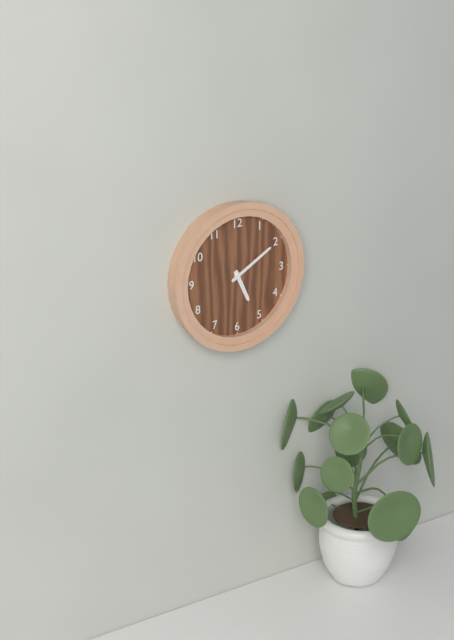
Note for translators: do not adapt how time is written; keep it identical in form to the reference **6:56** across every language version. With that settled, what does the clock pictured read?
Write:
**5:10**
